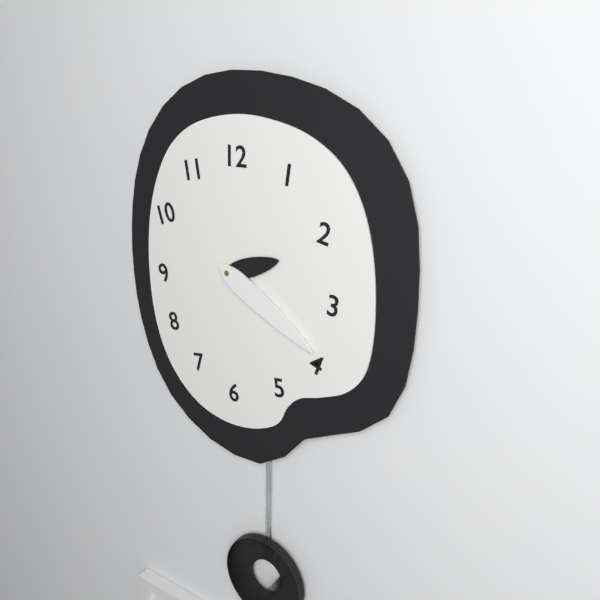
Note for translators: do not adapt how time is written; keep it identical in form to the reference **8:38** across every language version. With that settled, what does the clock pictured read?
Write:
**2:20**
